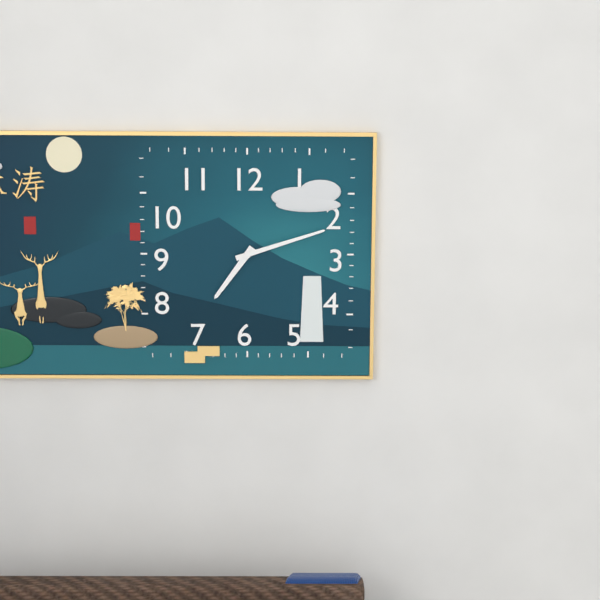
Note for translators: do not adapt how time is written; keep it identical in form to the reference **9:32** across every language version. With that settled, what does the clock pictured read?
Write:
**7:12**
